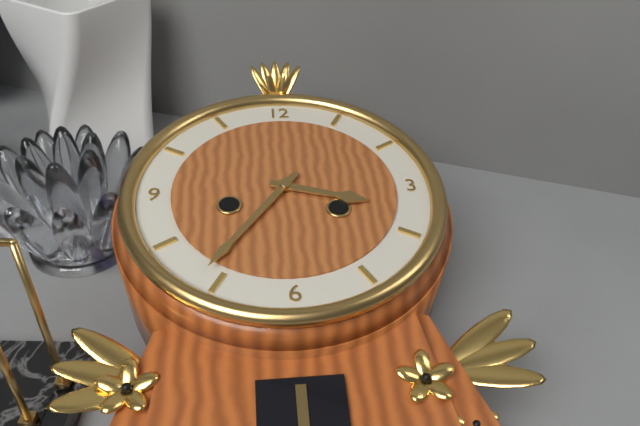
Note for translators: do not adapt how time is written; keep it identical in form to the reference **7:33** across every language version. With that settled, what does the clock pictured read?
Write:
**3:36**
